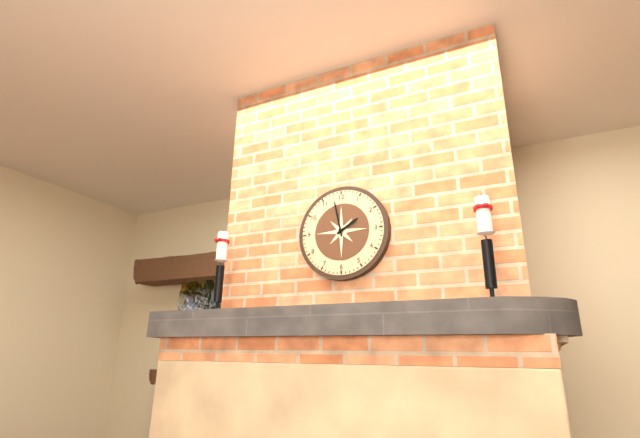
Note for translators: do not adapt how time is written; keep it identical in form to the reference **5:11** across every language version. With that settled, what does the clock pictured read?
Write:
**1:58**
